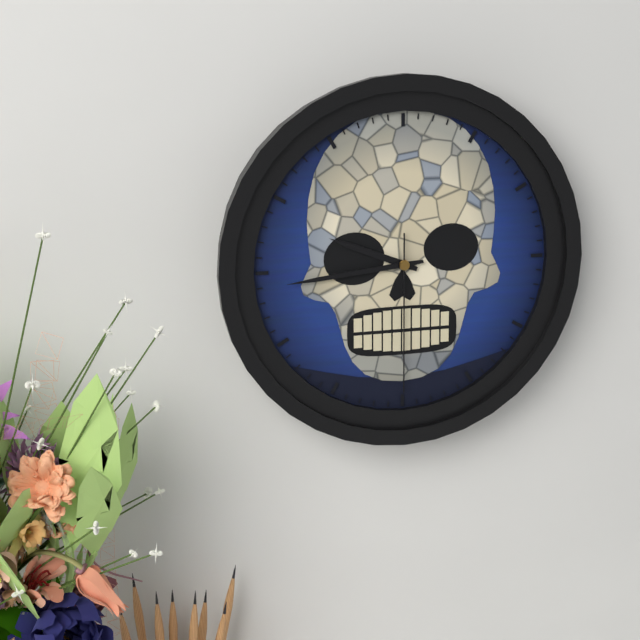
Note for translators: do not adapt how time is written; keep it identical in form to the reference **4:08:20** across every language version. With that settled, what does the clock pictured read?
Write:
**9:44:30**
